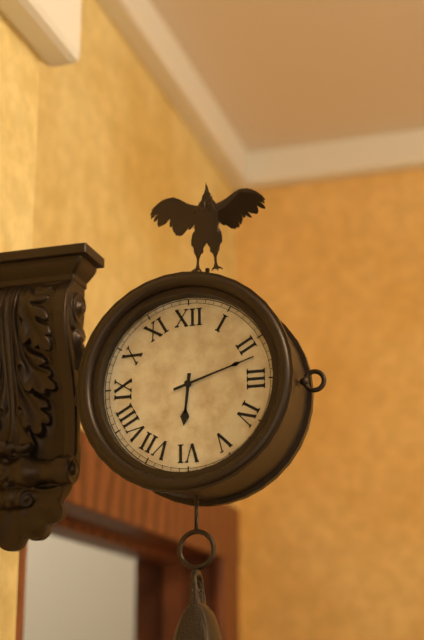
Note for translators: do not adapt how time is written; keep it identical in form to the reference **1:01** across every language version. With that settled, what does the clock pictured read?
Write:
**6:12**
